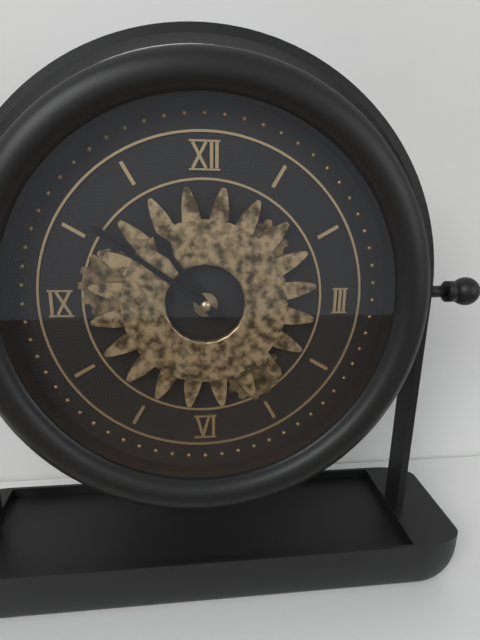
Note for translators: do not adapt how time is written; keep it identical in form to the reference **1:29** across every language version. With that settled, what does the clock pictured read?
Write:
**10:51**
